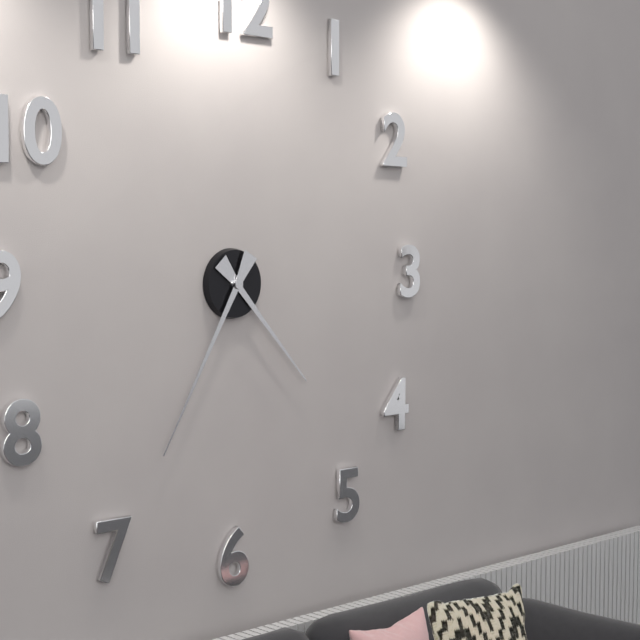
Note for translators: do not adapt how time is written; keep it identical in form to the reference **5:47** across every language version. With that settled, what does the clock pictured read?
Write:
**4:35**
